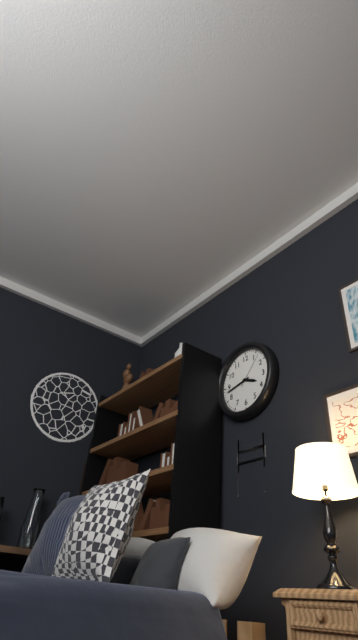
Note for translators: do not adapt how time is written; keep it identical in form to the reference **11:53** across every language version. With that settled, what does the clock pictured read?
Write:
**3:43**
